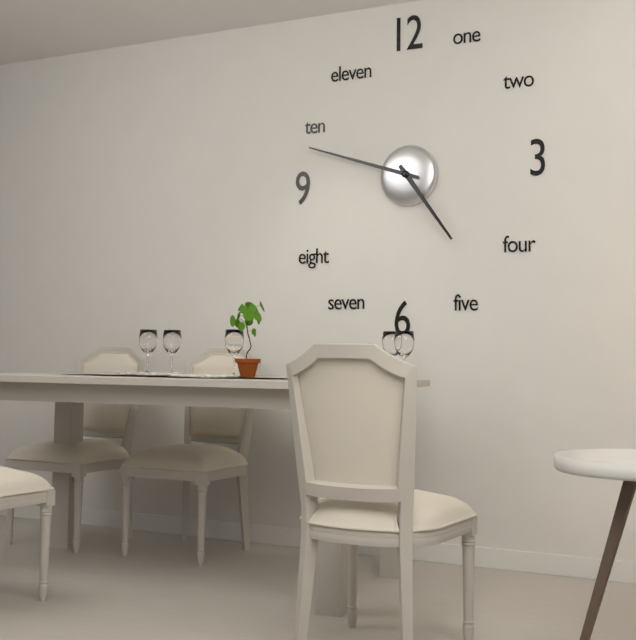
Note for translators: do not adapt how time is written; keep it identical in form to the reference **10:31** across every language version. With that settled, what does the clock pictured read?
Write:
**4:48**
